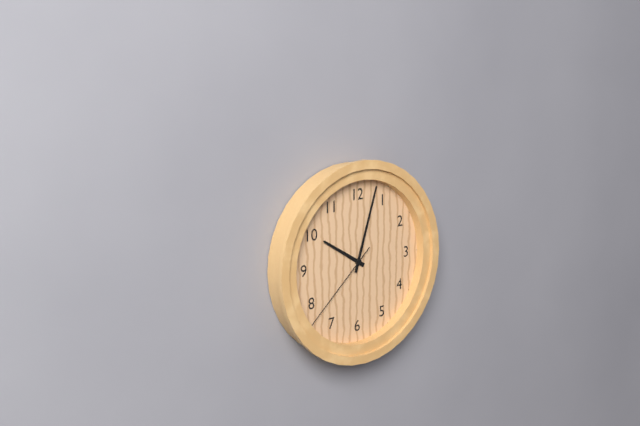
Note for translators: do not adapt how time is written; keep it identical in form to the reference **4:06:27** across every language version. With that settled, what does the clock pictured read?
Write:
**10:03:38**
